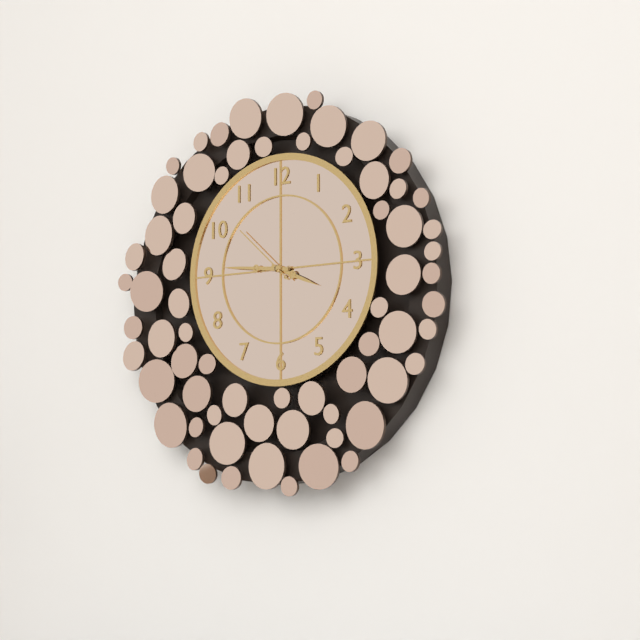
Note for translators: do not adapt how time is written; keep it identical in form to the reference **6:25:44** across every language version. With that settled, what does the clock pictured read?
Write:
**3:46:52**
